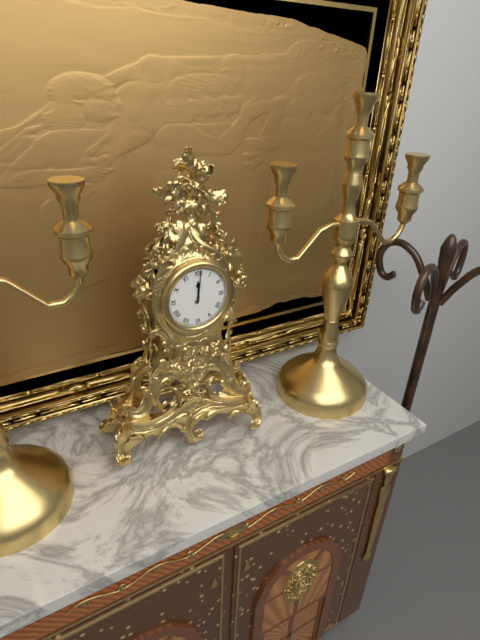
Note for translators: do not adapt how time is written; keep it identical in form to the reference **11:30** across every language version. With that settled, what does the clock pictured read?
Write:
**12:01**
